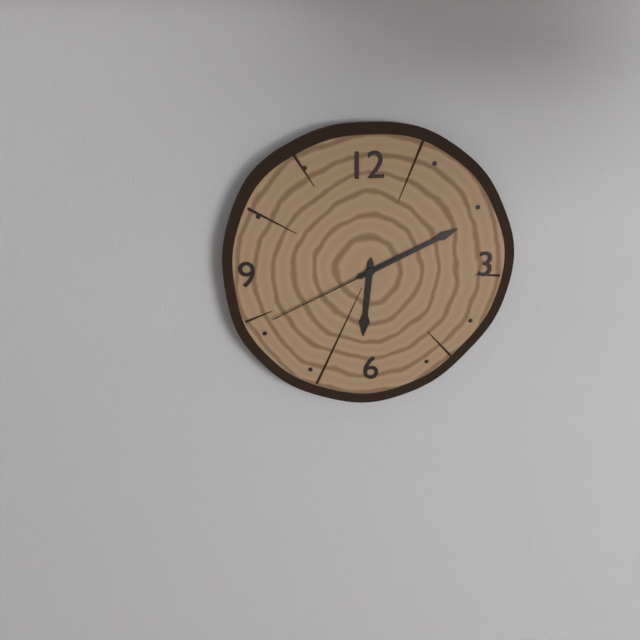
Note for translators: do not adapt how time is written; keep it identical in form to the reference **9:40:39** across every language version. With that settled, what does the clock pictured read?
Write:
**6:11:41**
